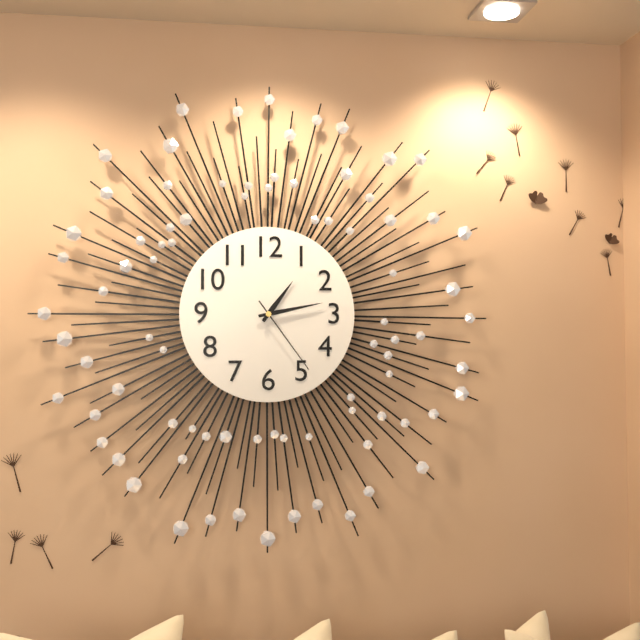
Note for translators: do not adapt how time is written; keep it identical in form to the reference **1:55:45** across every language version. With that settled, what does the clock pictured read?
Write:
**1:13:24**
